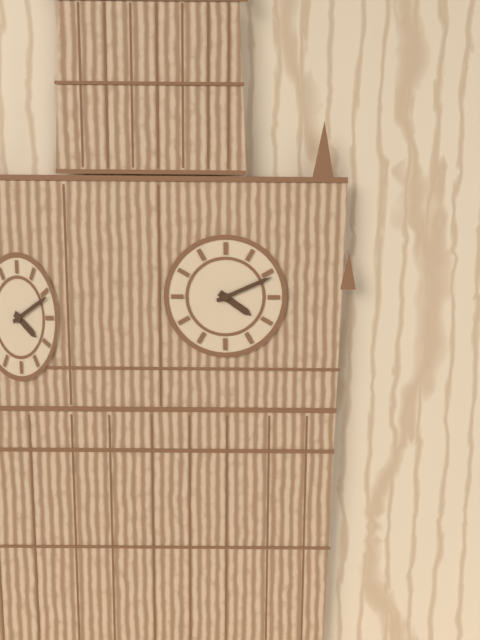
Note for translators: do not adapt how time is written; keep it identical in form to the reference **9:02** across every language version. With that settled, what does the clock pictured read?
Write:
**4:11**
